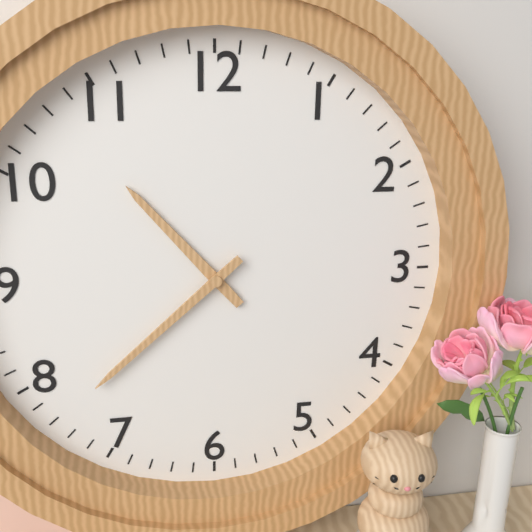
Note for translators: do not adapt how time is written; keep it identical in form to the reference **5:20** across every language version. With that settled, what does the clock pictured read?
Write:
**10:38**
